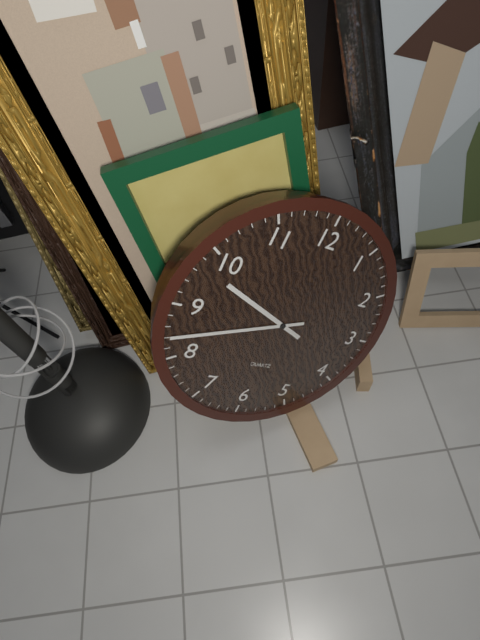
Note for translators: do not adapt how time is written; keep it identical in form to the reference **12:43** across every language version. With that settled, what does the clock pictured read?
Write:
**9:42**
